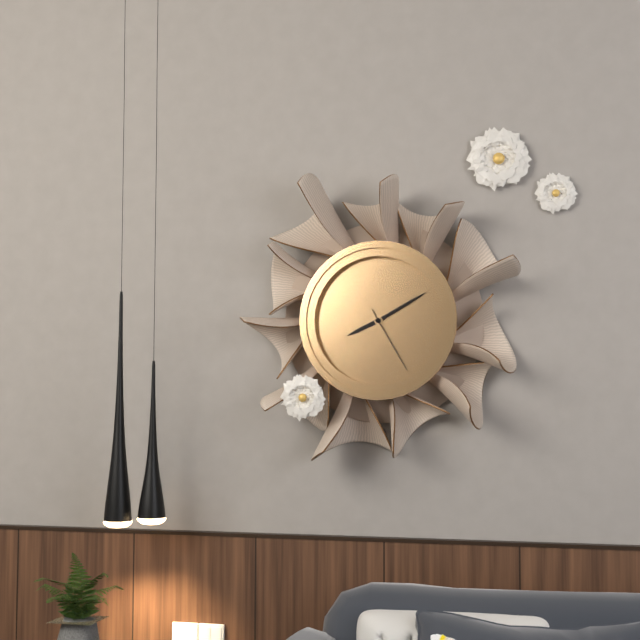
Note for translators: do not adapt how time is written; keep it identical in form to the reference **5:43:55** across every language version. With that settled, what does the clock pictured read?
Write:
**8:10:25**
